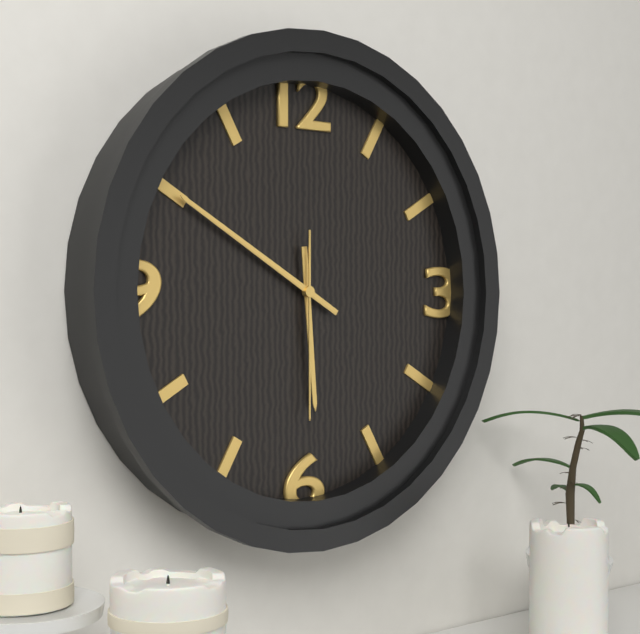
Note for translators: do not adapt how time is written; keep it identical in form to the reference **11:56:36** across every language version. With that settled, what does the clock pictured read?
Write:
**5:50:30**
